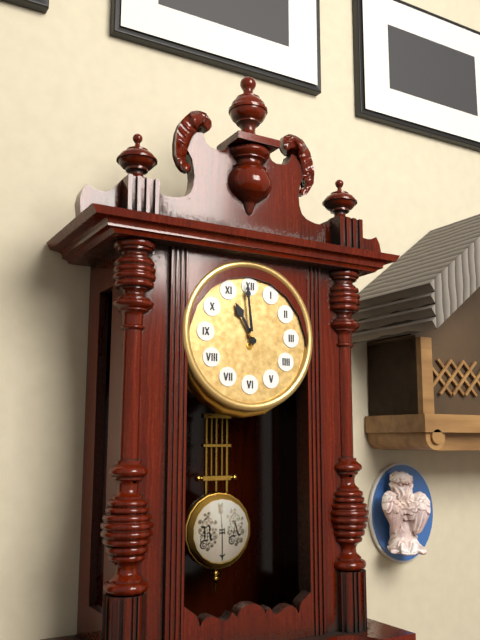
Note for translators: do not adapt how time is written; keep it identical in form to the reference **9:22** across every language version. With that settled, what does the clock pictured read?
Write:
**10:59**
